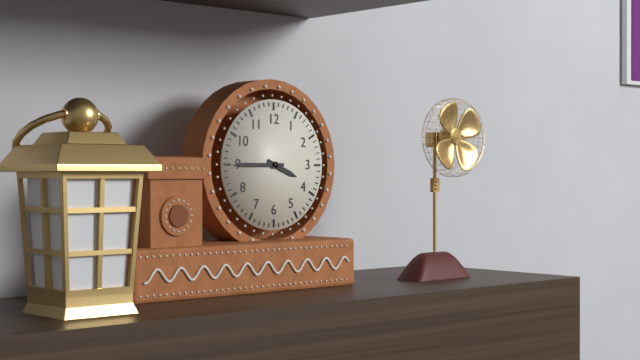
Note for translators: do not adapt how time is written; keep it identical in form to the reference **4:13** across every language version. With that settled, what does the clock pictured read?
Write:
**3:45**
